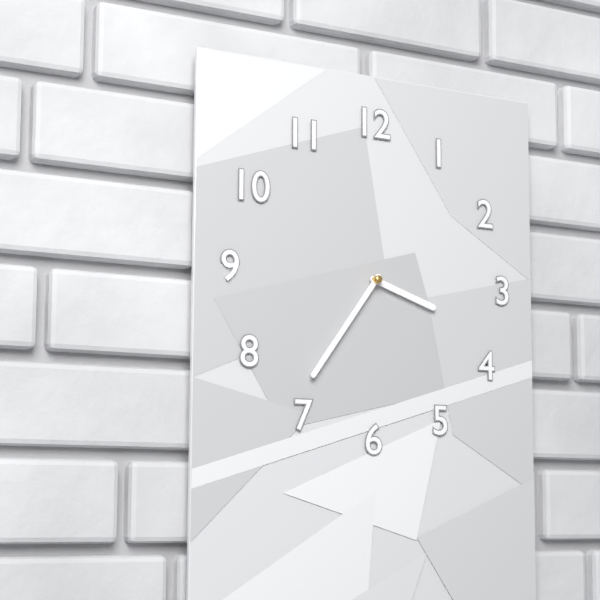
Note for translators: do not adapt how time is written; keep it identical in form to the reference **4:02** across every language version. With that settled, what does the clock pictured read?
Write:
**3:36**
